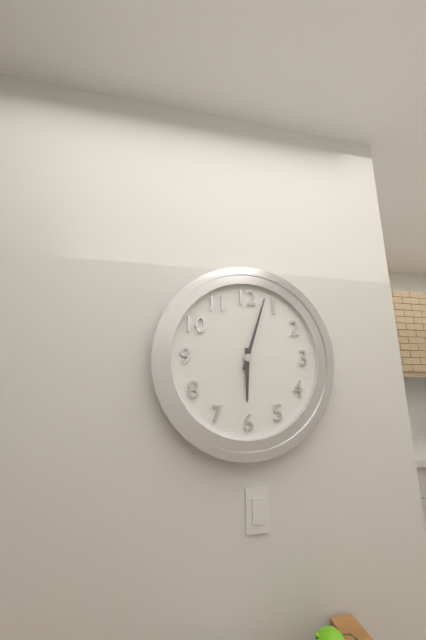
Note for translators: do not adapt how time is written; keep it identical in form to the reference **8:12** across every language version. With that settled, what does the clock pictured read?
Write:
**6:03**
